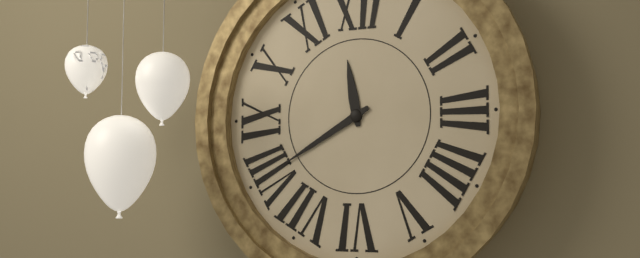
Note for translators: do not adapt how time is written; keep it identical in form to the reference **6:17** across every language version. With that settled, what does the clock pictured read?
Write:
**11:40**
